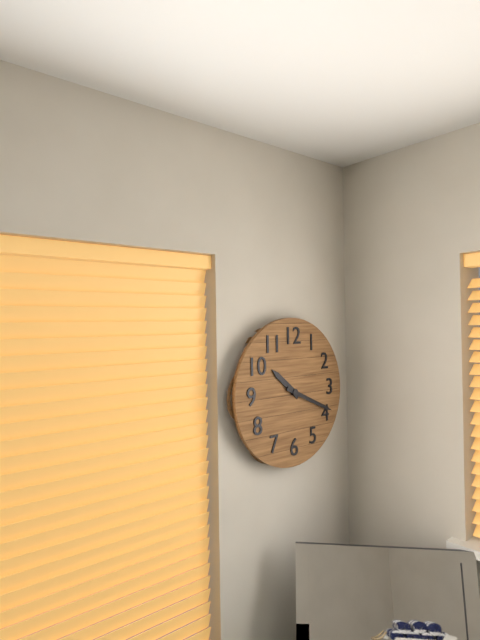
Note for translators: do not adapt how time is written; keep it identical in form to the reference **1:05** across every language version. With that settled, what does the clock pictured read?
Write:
**10:19**
